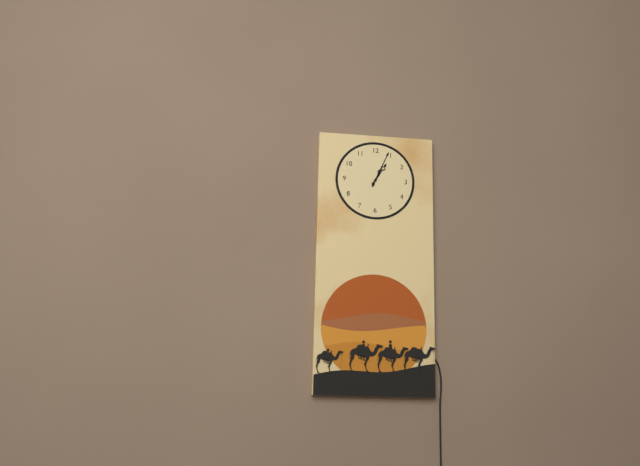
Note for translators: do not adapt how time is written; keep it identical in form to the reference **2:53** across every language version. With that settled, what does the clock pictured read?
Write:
**1:04**
